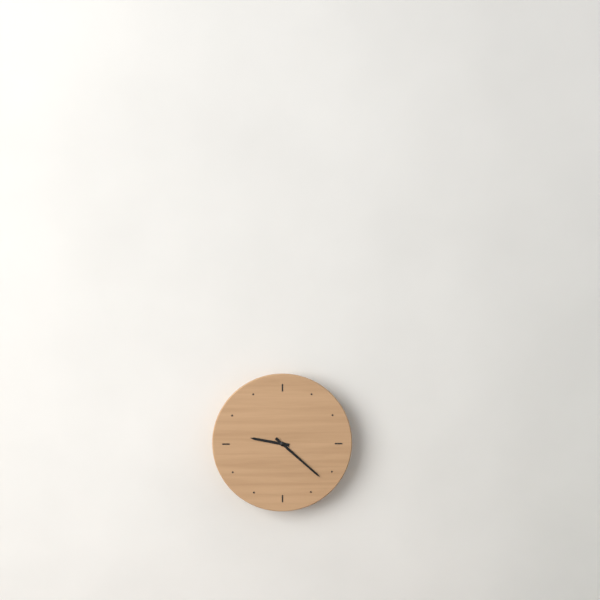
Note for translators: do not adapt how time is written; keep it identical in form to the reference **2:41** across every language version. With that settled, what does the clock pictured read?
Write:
**9:22**
